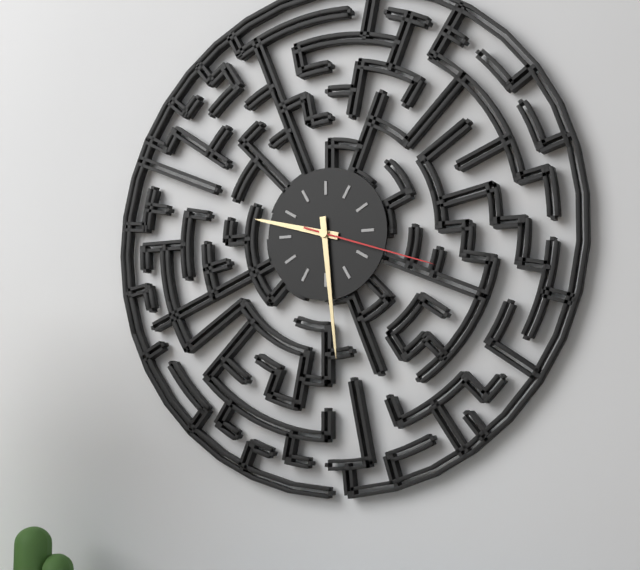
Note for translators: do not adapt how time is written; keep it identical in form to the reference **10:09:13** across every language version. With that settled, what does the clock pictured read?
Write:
**9:29:18**
